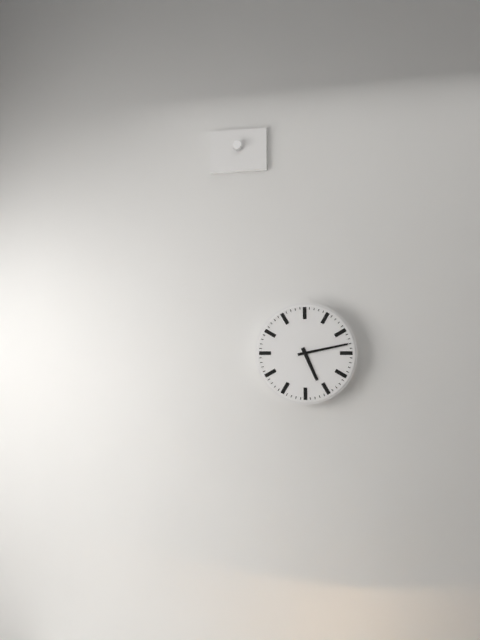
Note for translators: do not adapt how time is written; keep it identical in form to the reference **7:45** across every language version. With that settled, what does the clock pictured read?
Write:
**5:13**
